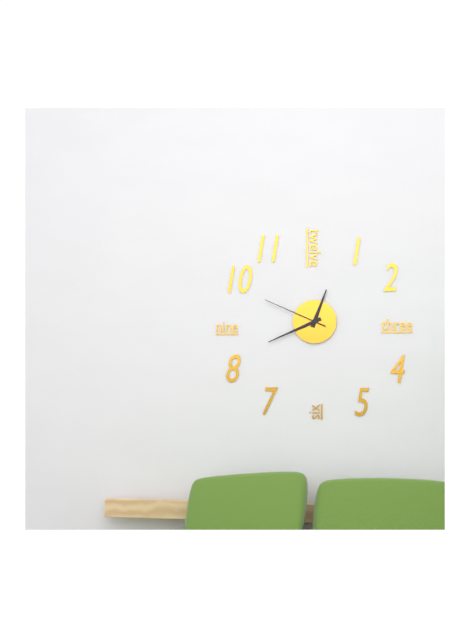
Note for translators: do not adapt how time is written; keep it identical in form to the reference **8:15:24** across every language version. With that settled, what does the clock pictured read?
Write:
**12:41:49**
